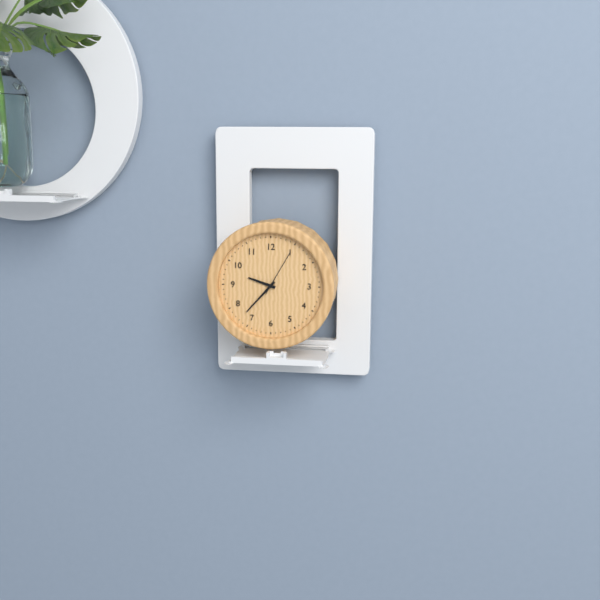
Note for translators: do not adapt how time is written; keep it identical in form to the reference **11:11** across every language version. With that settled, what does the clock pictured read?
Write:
**9:37**
